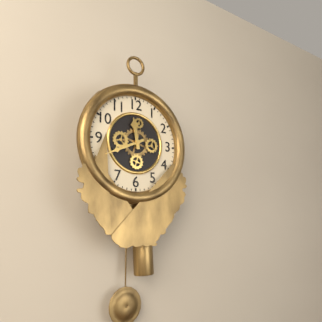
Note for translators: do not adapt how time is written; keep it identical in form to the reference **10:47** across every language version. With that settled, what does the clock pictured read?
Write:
**11:41**
